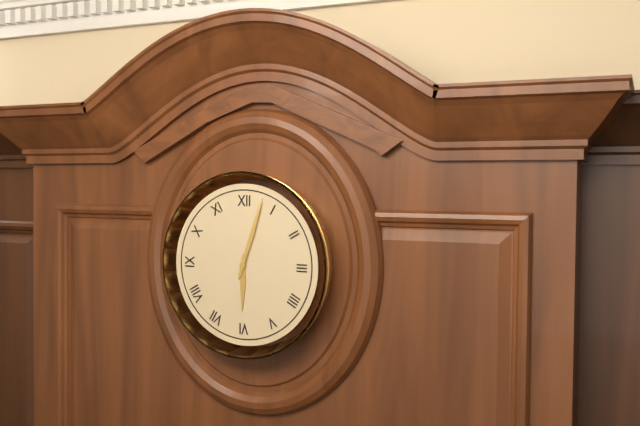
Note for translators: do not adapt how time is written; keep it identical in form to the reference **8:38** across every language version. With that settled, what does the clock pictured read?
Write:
**6:03**
